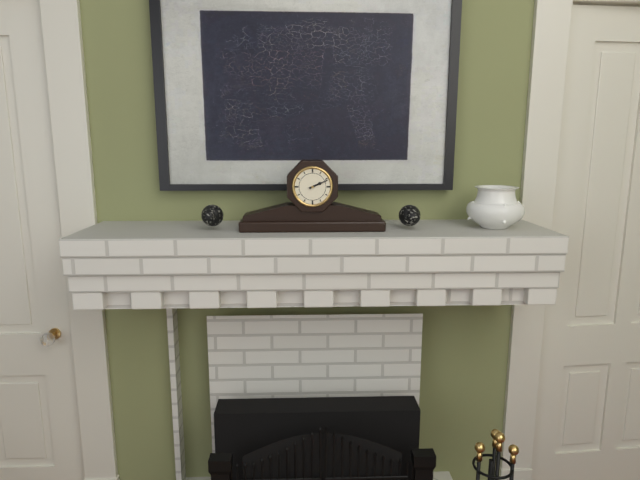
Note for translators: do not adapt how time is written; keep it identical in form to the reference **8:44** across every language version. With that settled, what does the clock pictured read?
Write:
**2:11**
